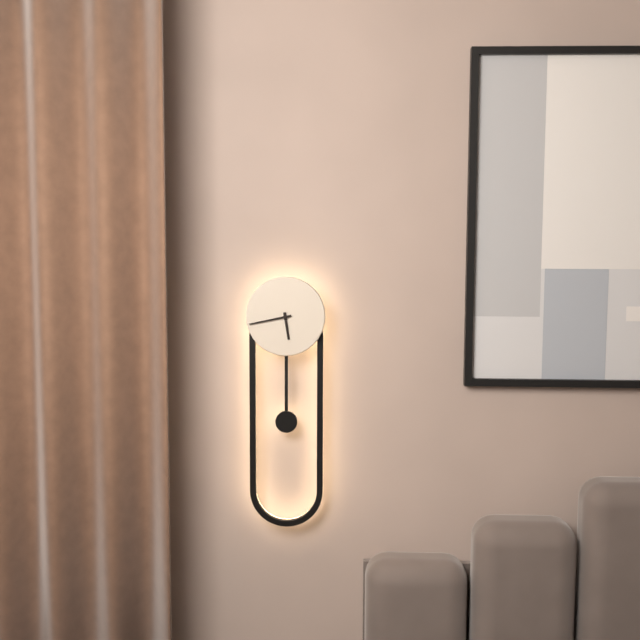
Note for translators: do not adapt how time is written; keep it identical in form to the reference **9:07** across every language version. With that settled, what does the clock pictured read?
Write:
**5:43**
